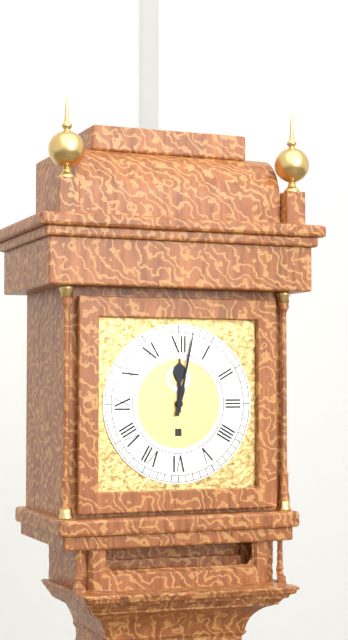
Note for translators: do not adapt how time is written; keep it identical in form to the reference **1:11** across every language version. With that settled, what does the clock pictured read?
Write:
**12:02**
